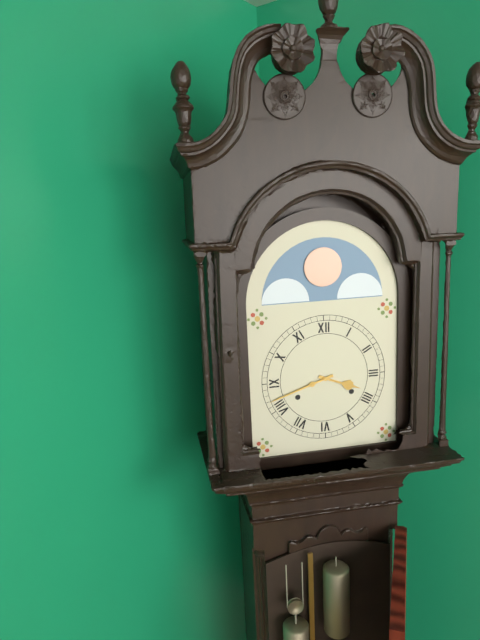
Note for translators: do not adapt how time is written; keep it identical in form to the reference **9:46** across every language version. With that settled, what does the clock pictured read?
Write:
**3:42**
